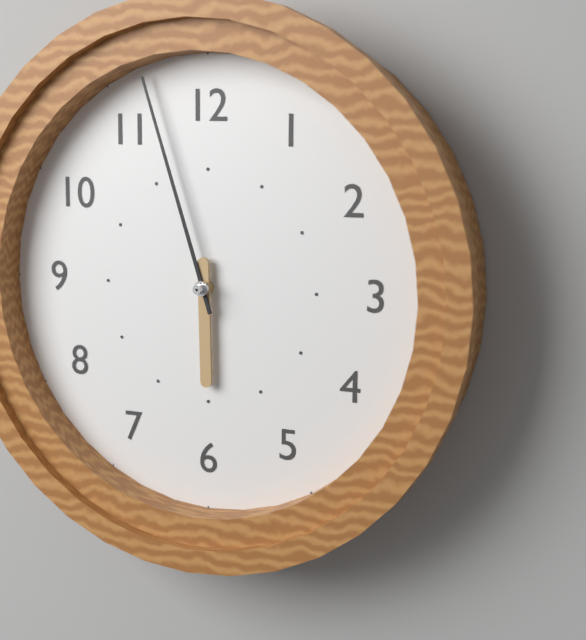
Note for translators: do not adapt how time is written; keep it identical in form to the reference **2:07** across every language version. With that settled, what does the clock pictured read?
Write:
**5:57**
